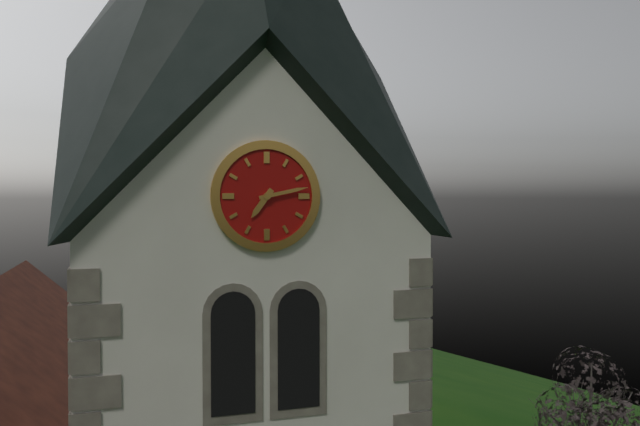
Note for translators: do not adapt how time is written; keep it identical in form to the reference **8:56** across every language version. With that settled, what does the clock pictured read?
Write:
**7:13**
